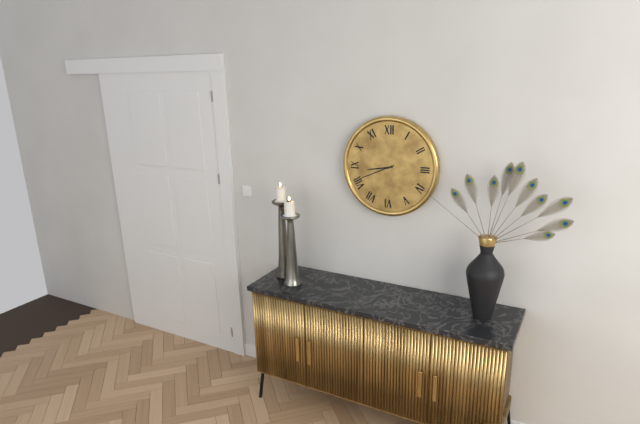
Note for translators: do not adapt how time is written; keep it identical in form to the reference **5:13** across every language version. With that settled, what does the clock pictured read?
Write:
**8:41**
